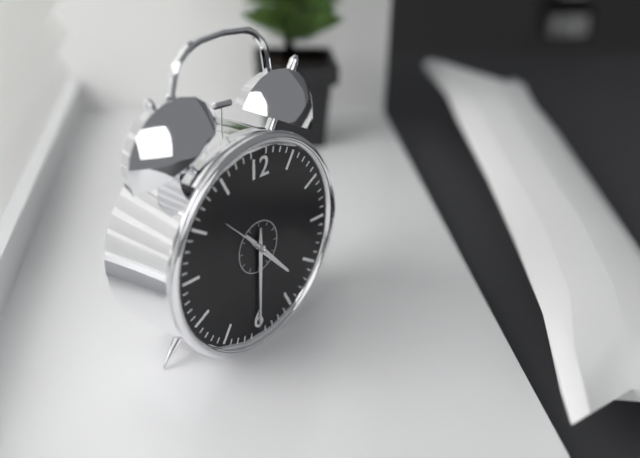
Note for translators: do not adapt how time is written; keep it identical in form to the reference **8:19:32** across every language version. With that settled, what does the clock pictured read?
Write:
**4:30:52**
